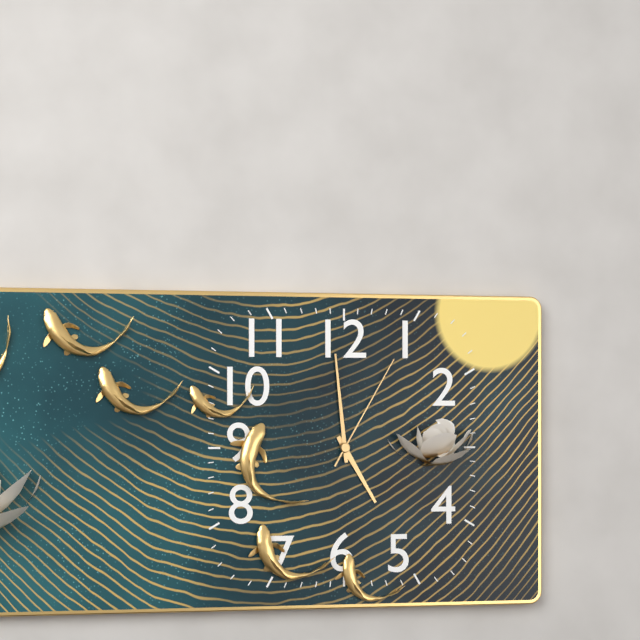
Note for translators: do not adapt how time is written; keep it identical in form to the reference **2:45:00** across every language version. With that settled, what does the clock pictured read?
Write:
**4:59:05**
